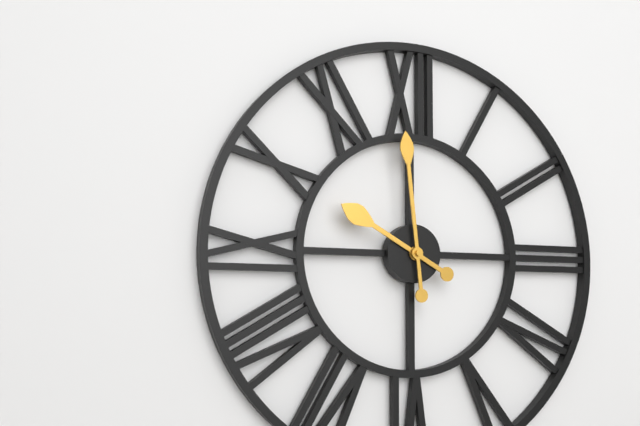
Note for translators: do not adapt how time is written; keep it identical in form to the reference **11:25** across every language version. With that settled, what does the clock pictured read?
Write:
**9:59**
